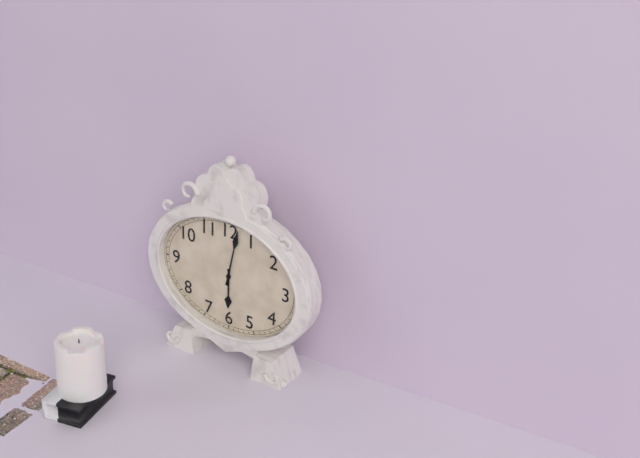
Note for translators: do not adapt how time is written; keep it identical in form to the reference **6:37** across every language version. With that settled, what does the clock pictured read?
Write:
**6:02**
